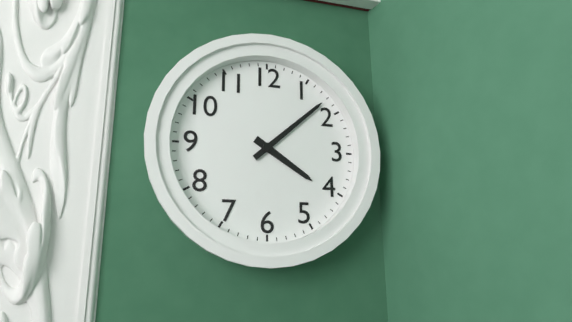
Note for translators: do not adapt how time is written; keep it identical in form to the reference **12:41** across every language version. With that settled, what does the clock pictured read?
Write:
**4:08**
